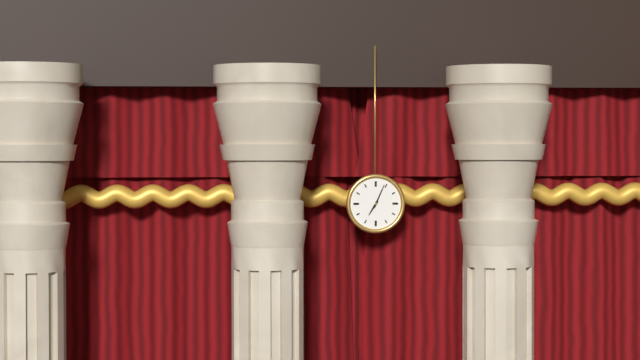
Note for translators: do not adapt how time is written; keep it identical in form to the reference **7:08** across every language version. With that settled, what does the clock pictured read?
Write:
**7:04**
